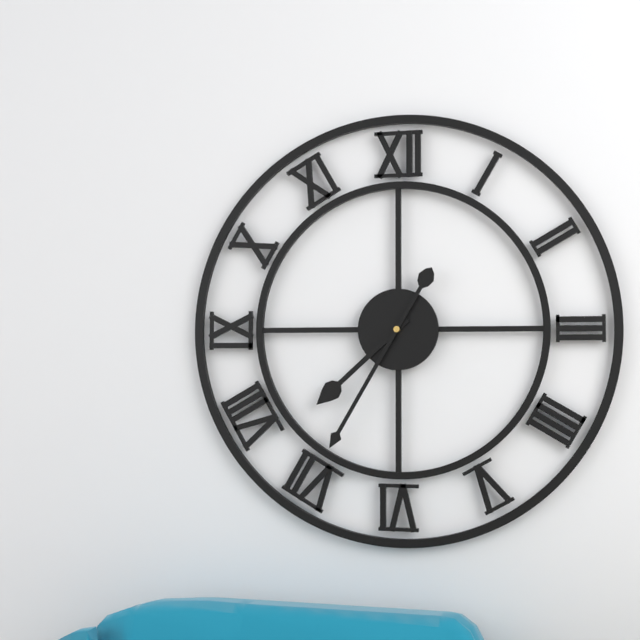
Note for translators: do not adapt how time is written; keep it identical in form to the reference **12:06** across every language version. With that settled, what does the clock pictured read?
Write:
**7:35**
